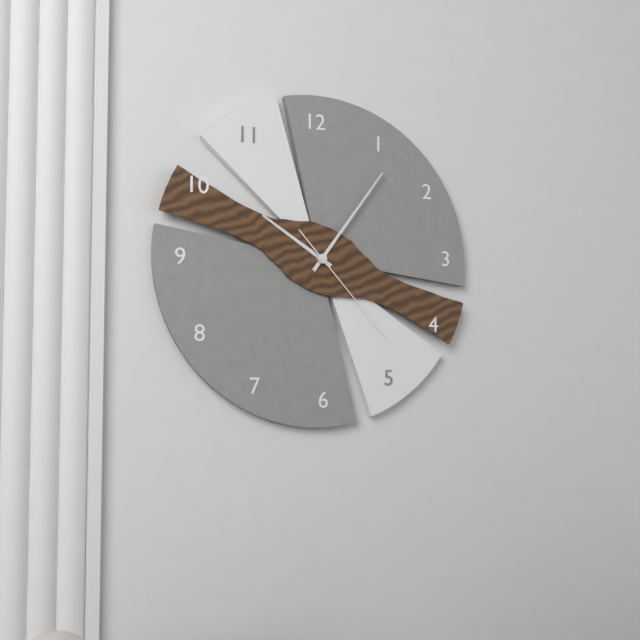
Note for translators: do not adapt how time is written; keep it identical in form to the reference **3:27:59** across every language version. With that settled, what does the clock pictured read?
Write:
**10:06:23**
